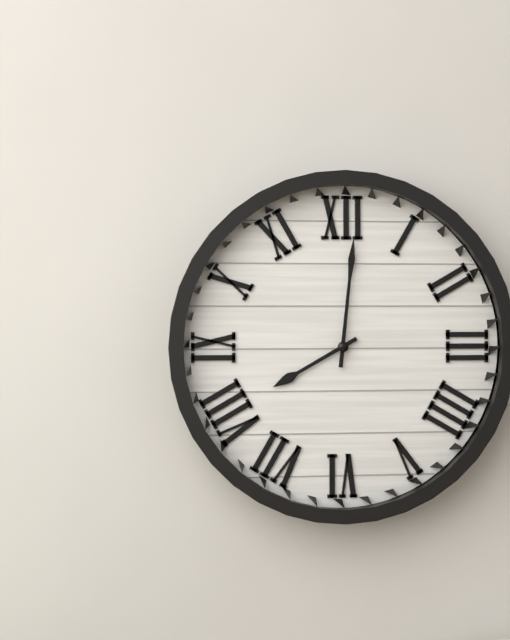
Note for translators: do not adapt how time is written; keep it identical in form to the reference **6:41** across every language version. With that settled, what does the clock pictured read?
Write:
**8:01**
